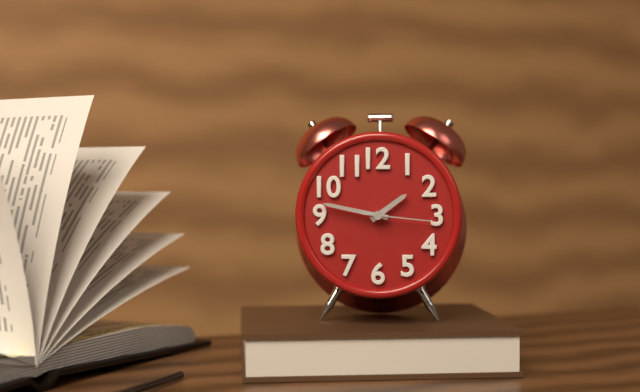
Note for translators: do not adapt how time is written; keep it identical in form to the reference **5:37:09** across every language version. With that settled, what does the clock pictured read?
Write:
**1:47:16**
